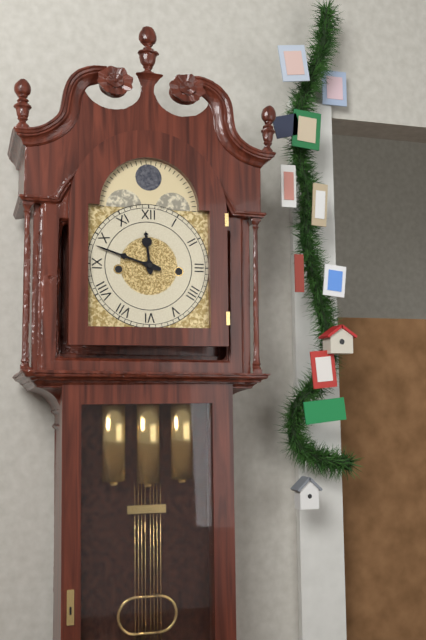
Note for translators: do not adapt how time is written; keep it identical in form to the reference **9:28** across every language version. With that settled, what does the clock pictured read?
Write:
**11:48**
